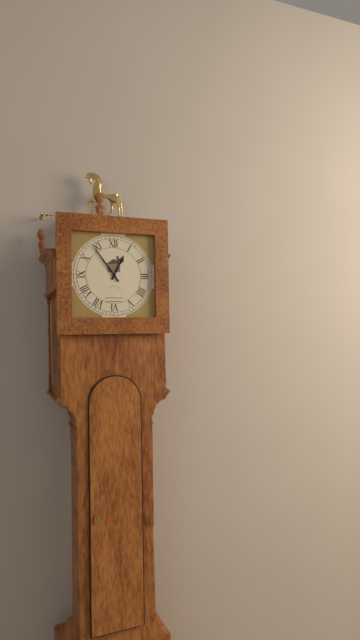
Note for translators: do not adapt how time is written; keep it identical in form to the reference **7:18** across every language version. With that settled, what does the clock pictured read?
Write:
**12:54**
